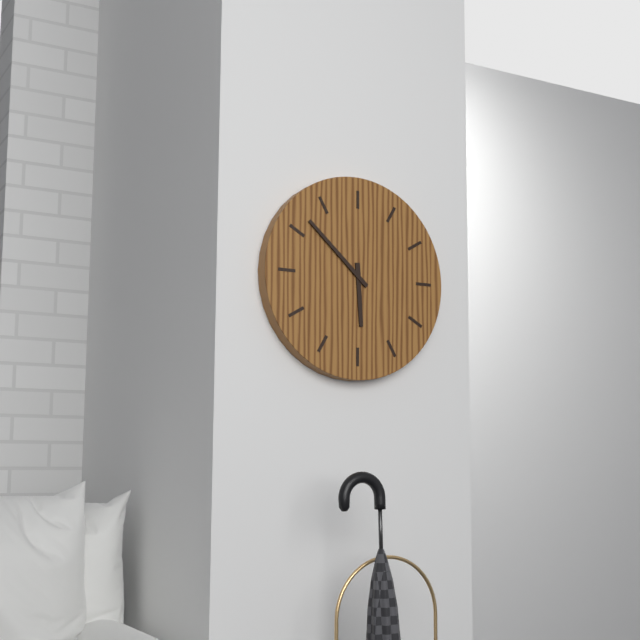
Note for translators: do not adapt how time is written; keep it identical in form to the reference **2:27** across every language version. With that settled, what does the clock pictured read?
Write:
**5:52**
